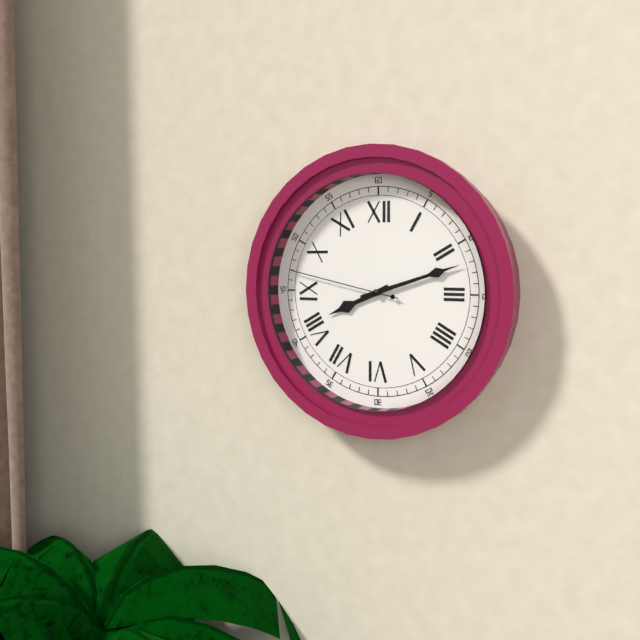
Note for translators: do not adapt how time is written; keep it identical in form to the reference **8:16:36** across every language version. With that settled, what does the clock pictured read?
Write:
**8:12:47**
